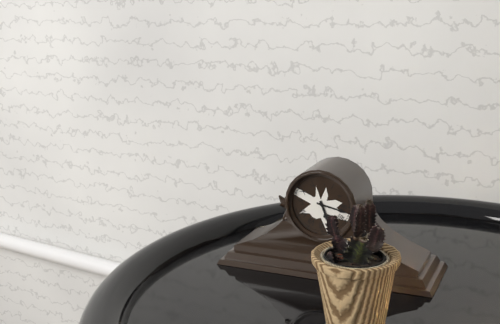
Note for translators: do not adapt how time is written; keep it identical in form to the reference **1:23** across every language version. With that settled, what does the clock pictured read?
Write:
**5:17**
